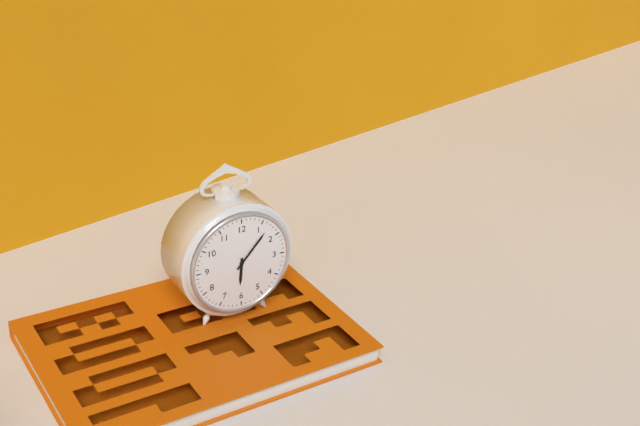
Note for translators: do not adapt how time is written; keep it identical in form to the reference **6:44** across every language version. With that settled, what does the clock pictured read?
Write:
**6:07**
